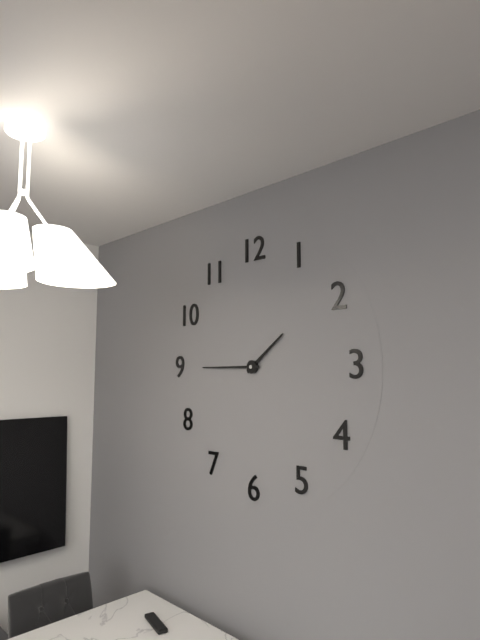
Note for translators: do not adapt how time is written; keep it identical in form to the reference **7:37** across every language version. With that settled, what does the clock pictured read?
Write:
**1:45**
